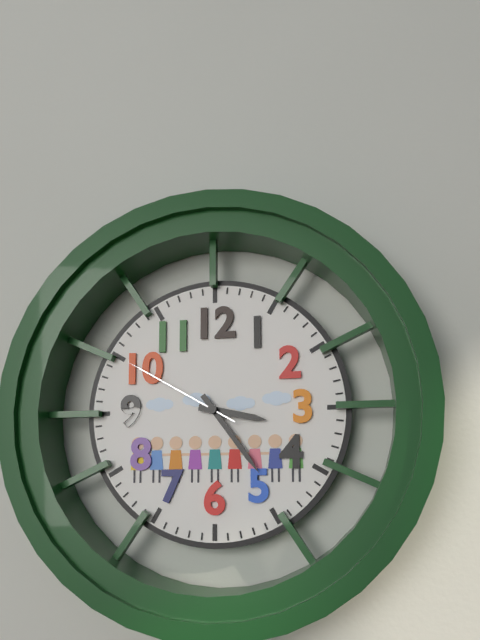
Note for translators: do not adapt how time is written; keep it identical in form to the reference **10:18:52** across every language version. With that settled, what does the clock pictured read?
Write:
**3:24:50**
